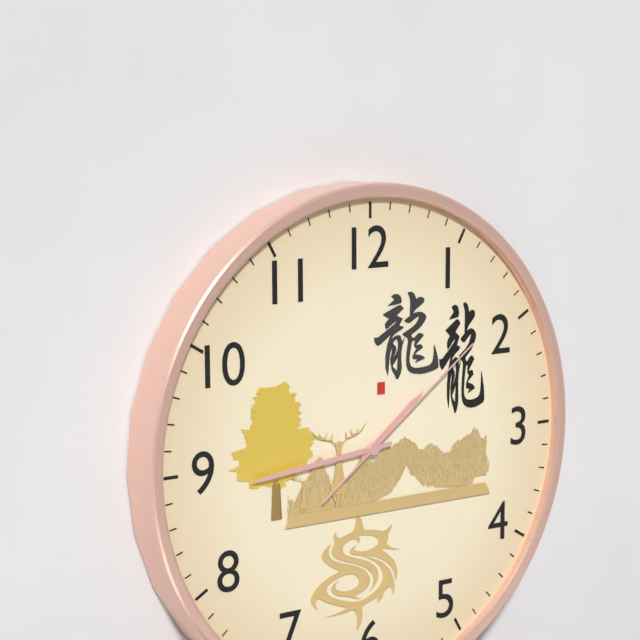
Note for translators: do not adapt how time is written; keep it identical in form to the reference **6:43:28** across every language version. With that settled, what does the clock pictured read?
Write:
**1:44:09**
